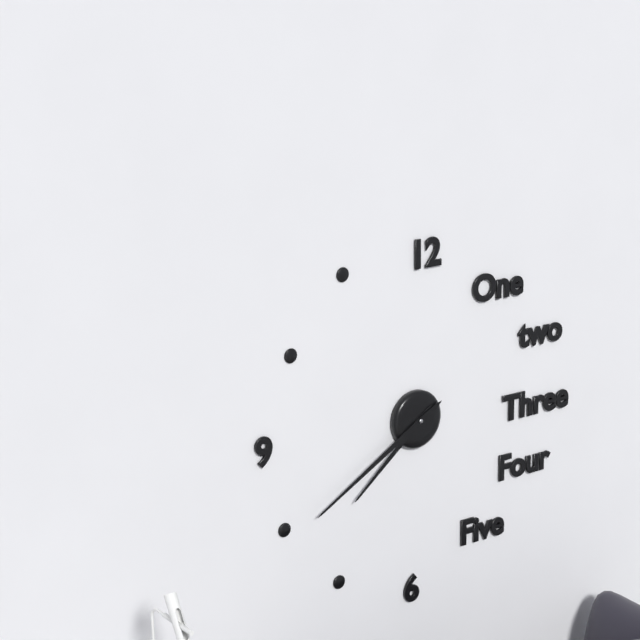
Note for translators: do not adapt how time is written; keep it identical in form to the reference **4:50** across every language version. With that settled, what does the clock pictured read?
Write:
**7:40**
